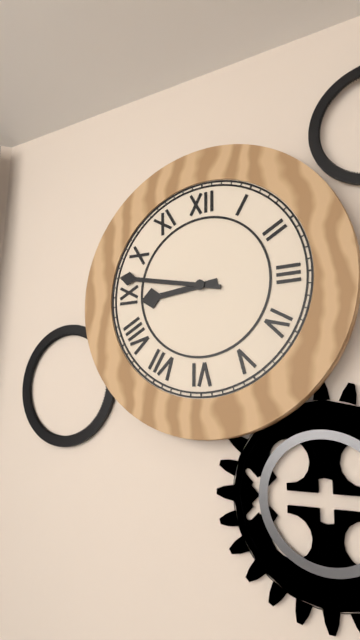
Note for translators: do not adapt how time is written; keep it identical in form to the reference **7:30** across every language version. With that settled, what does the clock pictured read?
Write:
**8:47**
